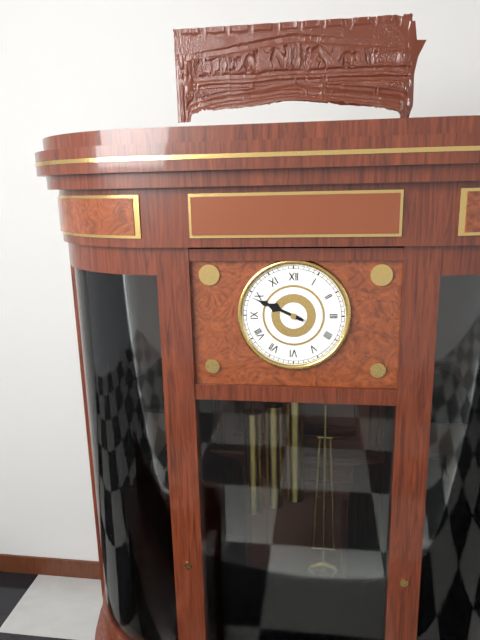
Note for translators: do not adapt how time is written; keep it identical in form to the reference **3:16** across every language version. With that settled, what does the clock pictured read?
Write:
**9:49**
